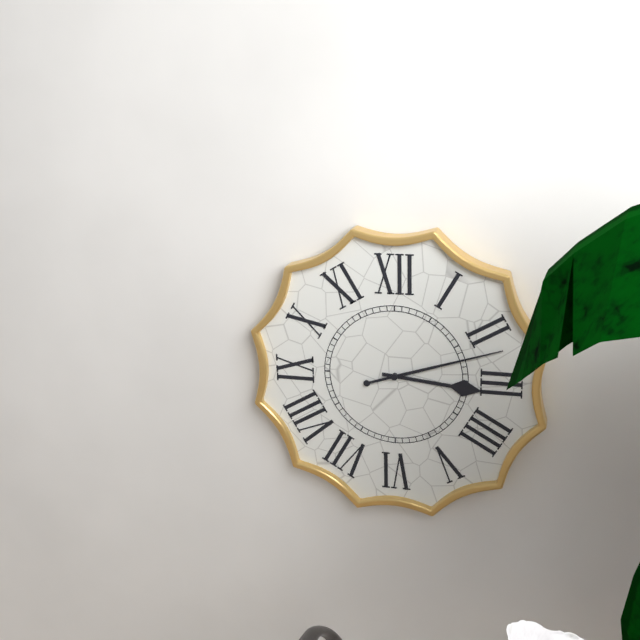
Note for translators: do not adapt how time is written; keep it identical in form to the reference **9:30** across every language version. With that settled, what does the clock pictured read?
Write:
**3:12**
